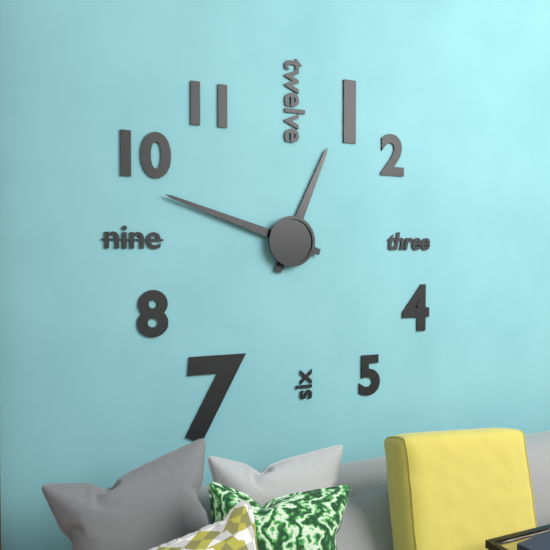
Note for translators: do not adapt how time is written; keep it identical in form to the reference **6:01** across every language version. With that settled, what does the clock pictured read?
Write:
**12:48**
